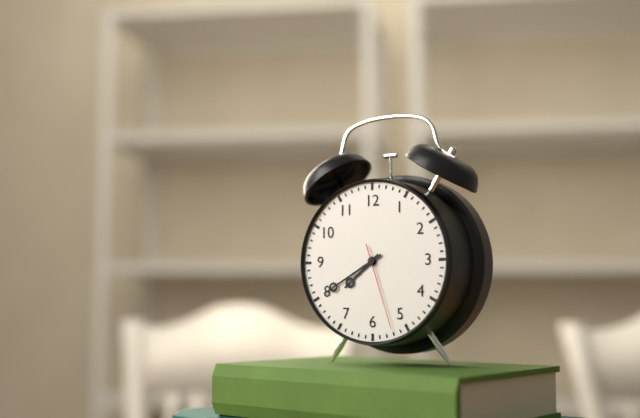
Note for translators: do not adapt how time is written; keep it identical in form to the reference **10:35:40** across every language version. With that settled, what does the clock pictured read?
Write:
**7:40:27**
